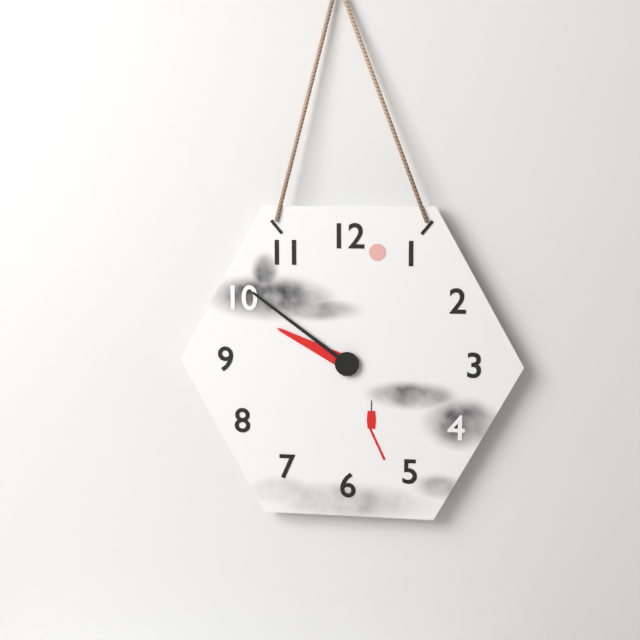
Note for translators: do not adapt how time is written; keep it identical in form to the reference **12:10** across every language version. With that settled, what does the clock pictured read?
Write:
**9:51**
